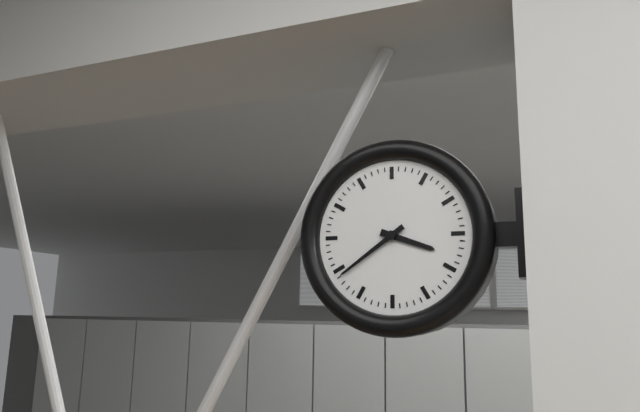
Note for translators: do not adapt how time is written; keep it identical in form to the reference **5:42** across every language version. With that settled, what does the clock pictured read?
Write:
**3:39**
